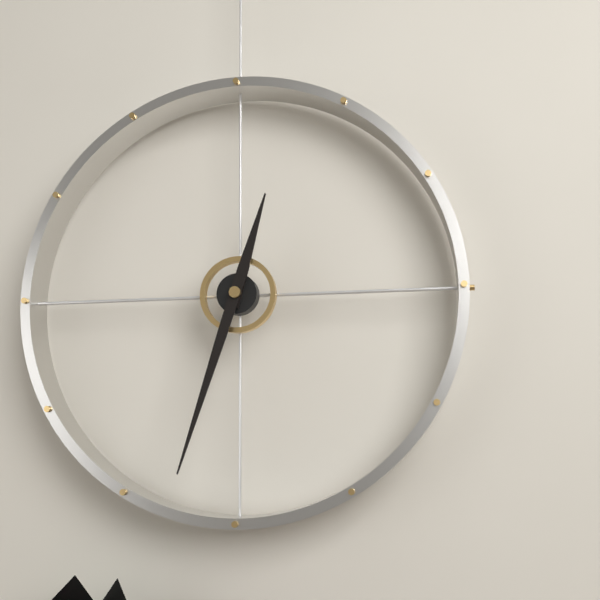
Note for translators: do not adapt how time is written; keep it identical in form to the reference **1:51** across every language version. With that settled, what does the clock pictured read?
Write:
**12:33**
